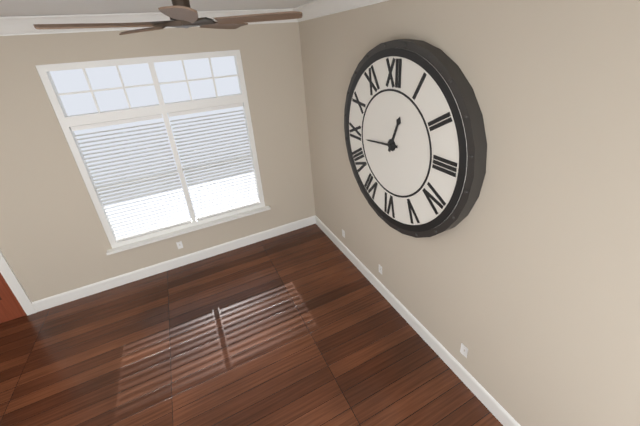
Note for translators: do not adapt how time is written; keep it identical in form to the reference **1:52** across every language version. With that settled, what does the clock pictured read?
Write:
**12:44**
